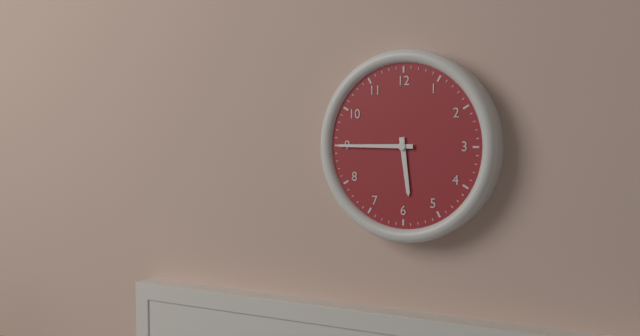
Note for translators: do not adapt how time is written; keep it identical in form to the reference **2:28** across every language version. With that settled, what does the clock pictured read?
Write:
**5:45**
